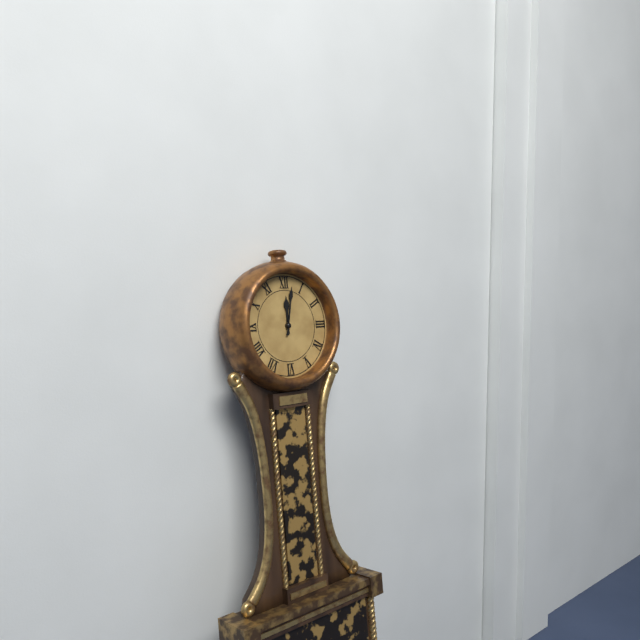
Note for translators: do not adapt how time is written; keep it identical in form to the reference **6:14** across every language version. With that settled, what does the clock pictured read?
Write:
**12:02**
